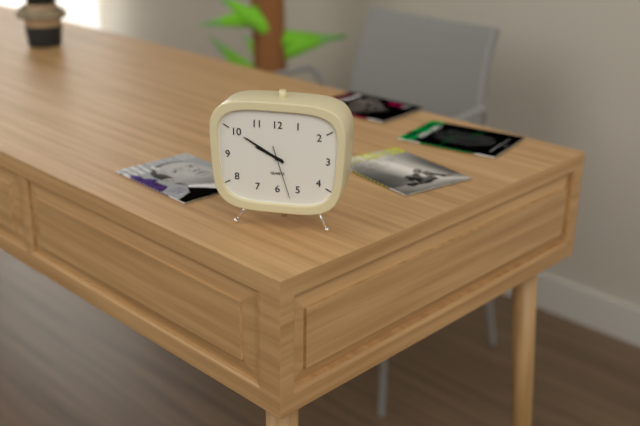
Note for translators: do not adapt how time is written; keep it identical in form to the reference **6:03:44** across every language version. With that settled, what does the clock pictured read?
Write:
**9:50:27**
